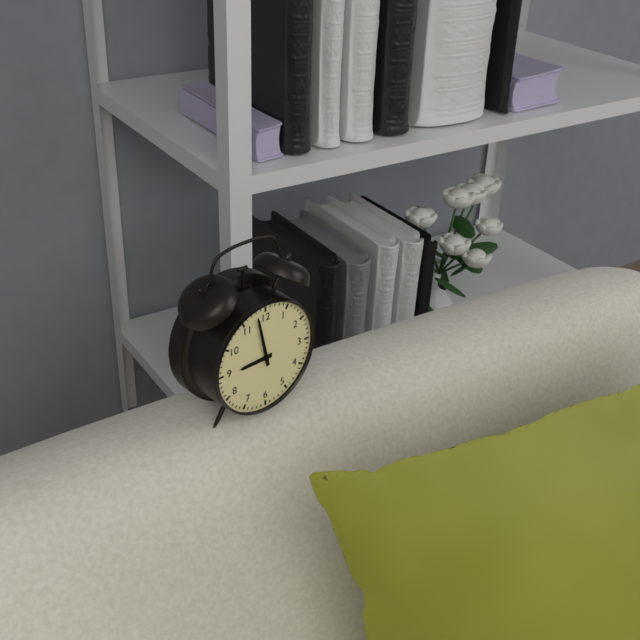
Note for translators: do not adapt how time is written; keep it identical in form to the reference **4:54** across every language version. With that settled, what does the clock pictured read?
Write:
**8:58**
